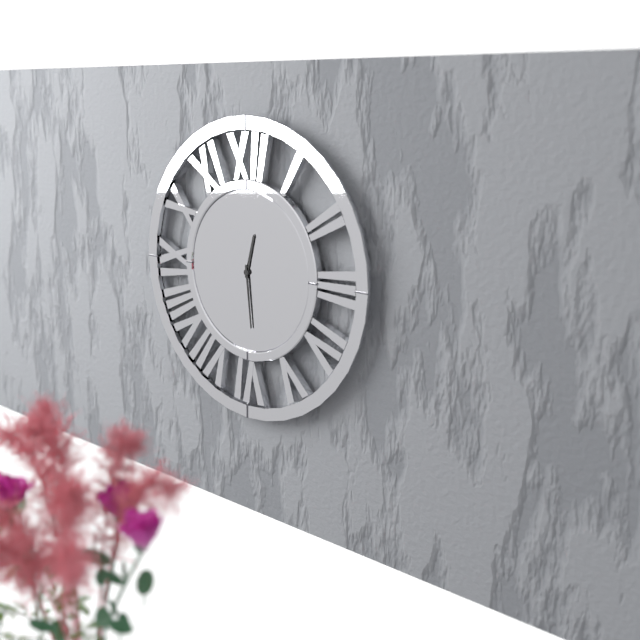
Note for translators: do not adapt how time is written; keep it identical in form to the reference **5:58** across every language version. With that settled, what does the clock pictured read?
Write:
**12:29**
